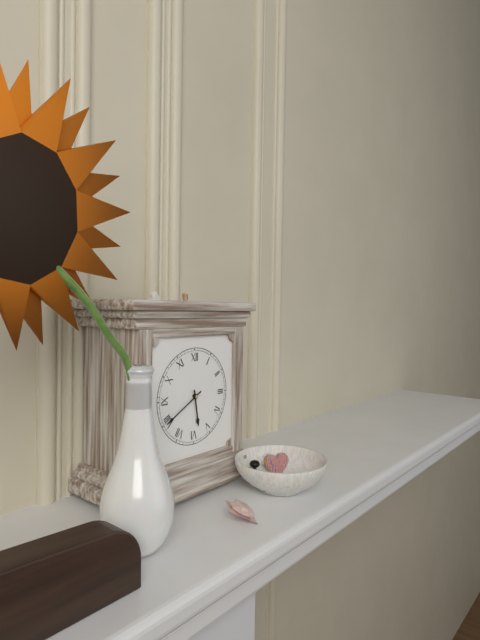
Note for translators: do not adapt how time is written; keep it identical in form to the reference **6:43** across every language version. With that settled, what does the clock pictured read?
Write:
**5:40**
